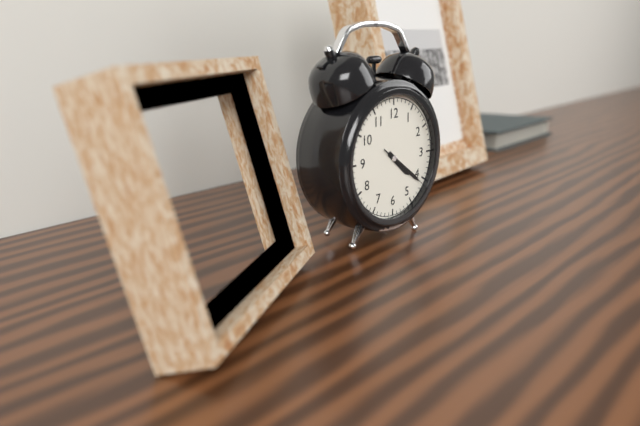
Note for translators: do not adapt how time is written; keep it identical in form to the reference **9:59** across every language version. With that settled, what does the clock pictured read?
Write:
**4:21**
